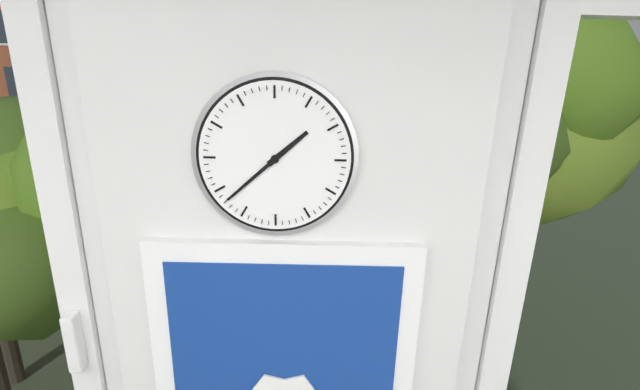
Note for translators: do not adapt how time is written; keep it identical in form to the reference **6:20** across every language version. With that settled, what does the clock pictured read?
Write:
**1:38**
